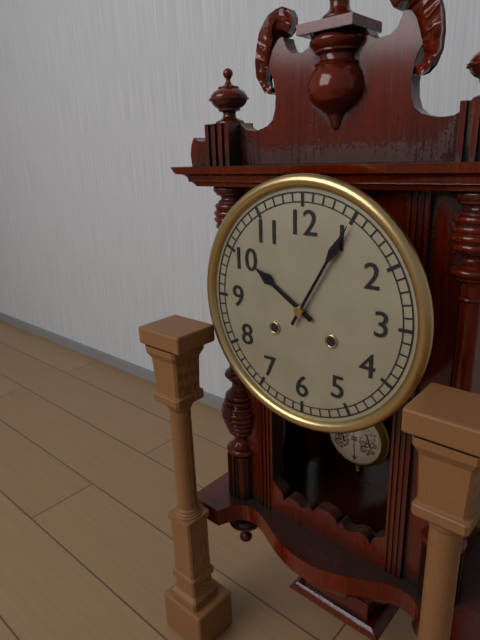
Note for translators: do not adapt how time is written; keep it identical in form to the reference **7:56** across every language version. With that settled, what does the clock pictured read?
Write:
**10:05**
